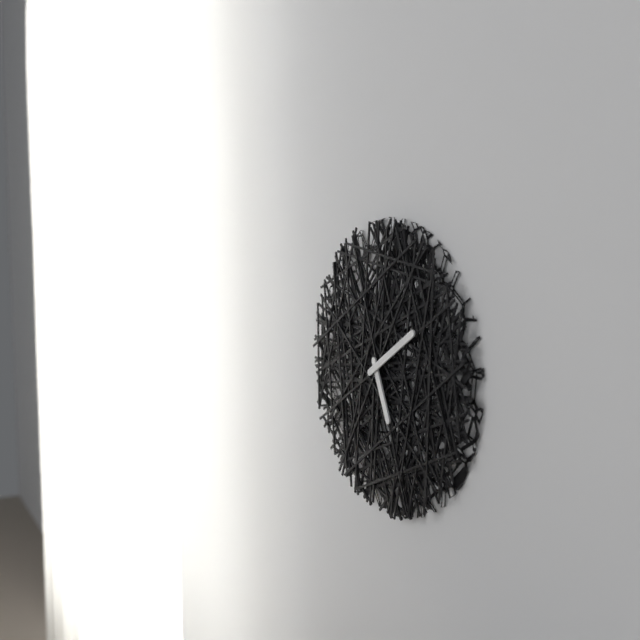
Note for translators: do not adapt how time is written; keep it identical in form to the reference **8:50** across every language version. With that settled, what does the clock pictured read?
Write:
**5:10**
